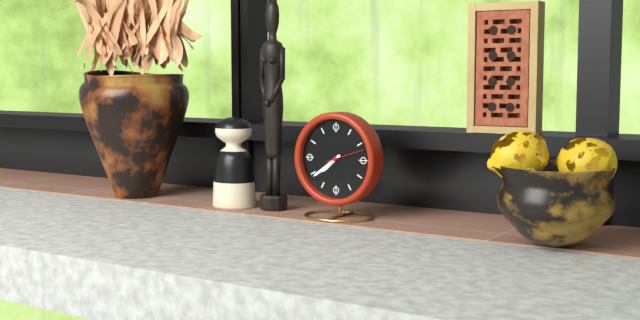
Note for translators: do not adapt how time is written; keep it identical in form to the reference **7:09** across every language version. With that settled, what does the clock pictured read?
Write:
**7:39**
